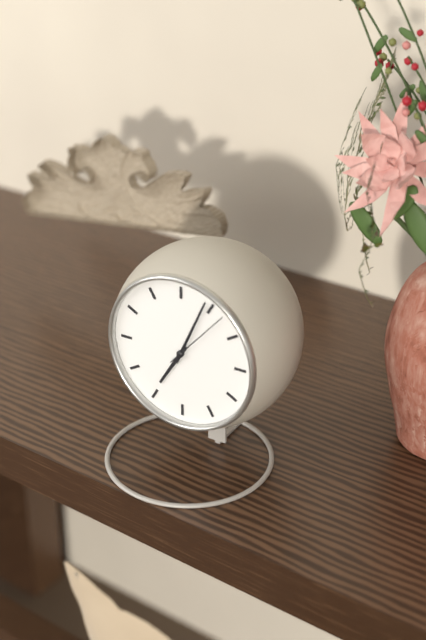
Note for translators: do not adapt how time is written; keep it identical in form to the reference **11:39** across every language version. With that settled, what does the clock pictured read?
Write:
**7:04**
